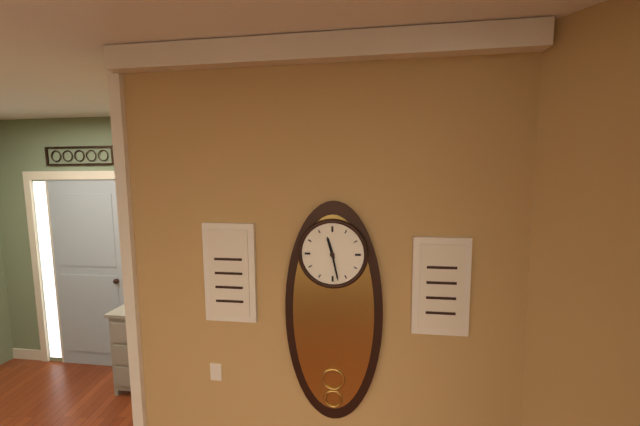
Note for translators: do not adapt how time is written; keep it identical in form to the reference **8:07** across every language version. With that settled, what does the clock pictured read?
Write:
**11:28**
